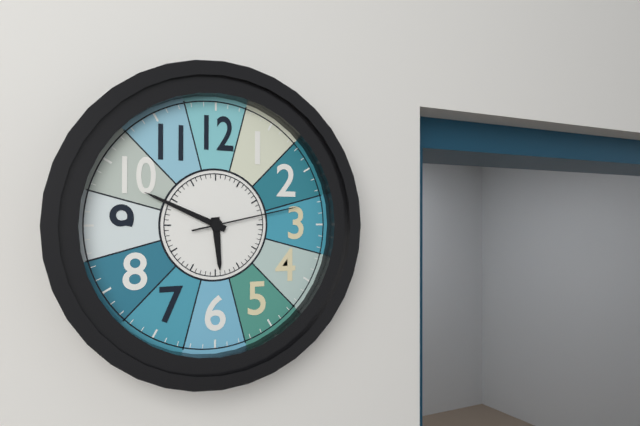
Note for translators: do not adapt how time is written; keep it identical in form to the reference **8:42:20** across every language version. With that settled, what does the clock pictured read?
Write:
**5:49:13**
